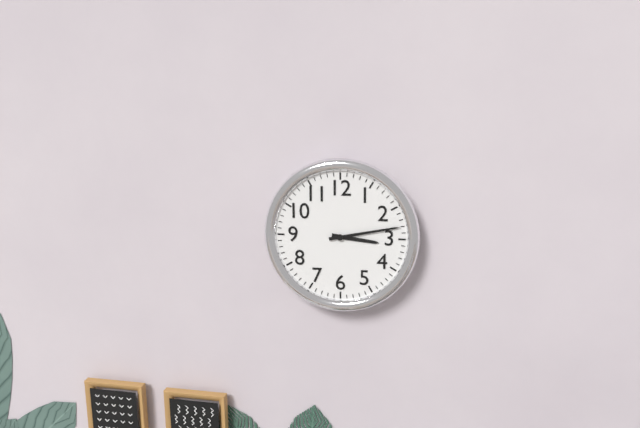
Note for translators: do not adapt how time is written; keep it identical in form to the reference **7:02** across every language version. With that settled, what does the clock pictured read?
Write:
**3:13**
